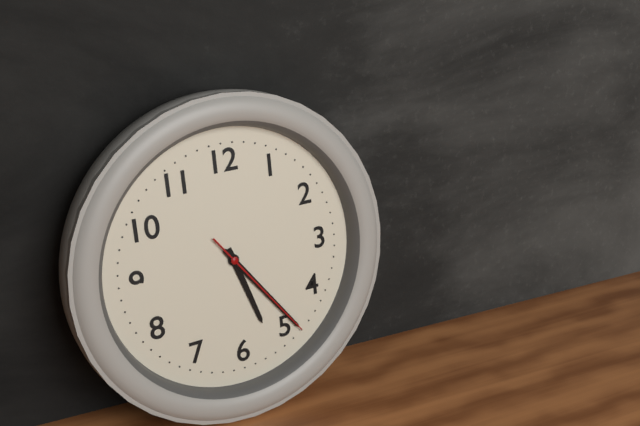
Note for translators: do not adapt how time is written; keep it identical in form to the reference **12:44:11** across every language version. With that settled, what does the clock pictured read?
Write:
**5:24:24**
